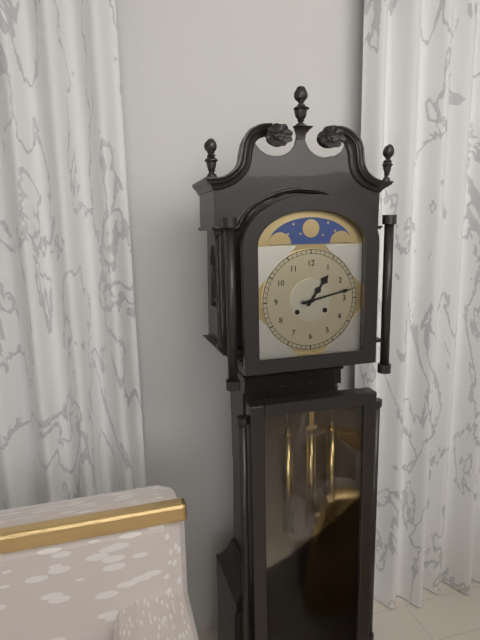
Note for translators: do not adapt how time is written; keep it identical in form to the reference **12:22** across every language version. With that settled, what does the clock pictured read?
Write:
**1:13**
